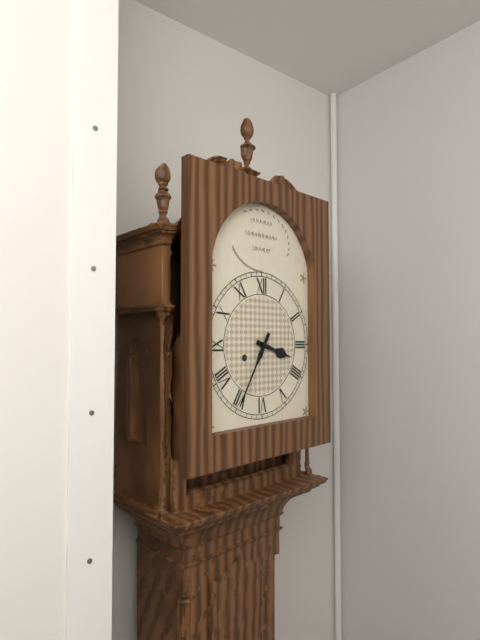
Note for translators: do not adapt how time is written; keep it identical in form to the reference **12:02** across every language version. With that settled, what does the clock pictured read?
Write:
**3:35**
